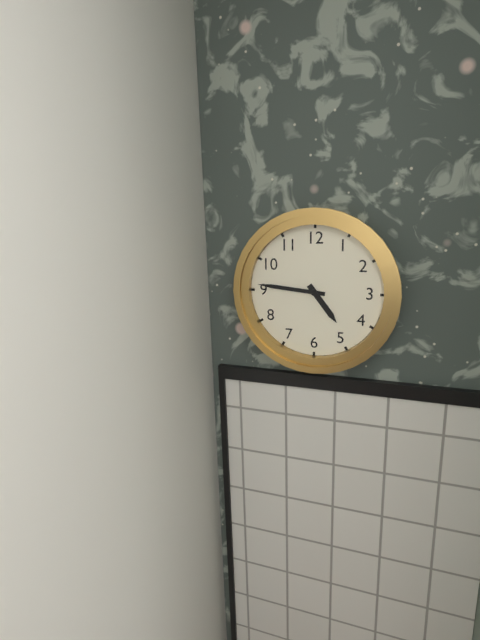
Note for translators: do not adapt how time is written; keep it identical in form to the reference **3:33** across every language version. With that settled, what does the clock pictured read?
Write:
**4:46**
